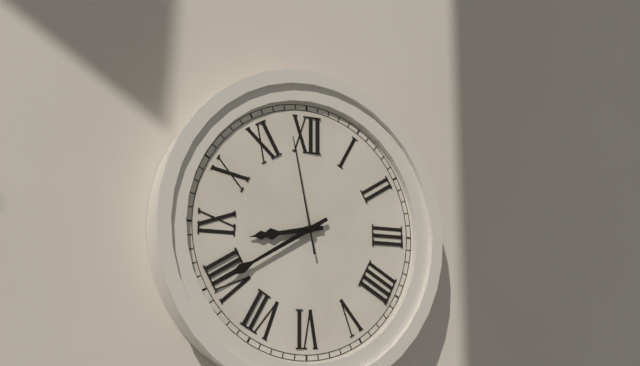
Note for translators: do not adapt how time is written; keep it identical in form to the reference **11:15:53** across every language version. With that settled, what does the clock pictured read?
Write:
**8:40:58**
